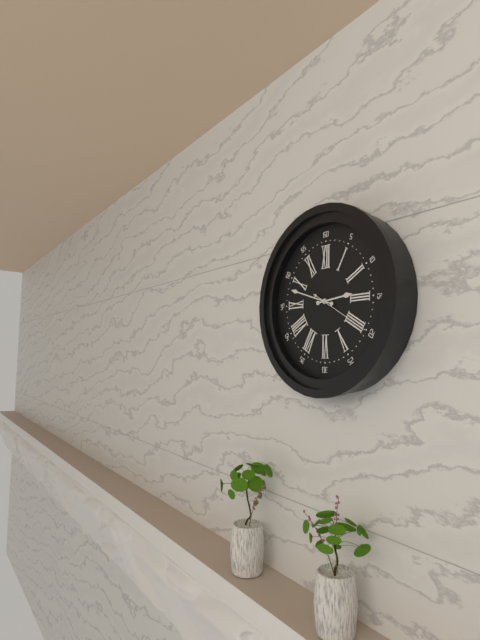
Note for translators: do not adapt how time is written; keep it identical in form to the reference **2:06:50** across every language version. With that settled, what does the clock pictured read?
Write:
**2:48:20**
